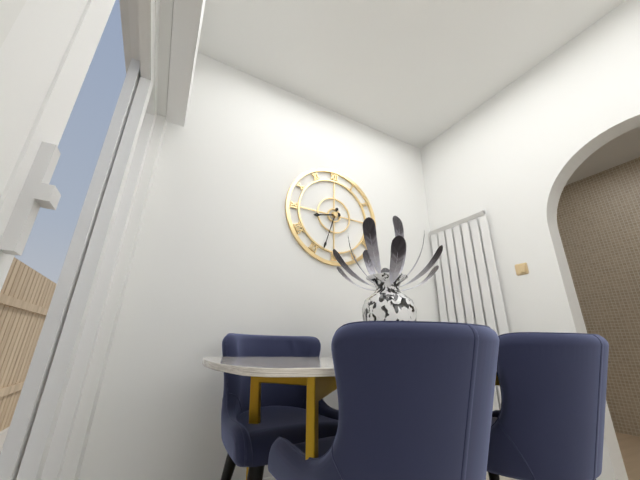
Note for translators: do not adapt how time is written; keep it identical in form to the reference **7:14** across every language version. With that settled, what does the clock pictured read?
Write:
**8:33**
